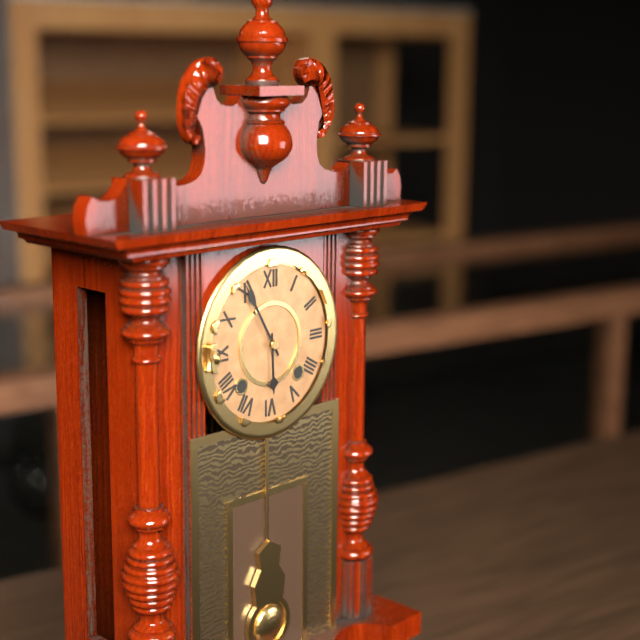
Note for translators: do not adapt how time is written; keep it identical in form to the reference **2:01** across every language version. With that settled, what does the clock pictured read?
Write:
**5:55**
